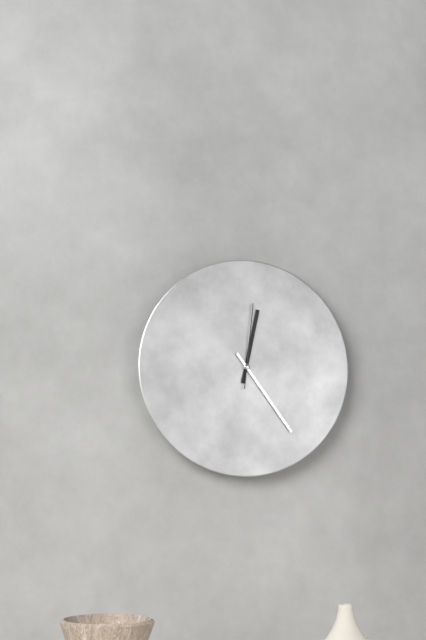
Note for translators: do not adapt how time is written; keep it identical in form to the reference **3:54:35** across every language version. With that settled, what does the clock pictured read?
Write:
**12:24:01**
